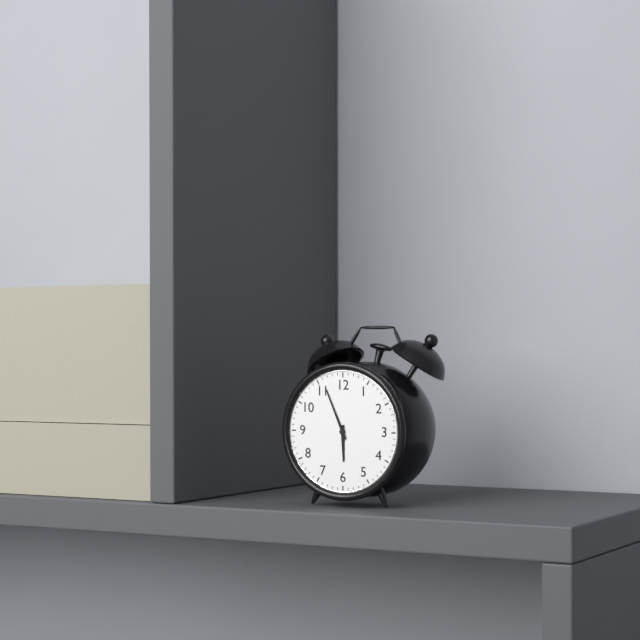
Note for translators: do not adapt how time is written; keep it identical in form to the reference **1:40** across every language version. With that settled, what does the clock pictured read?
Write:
**5:56**
